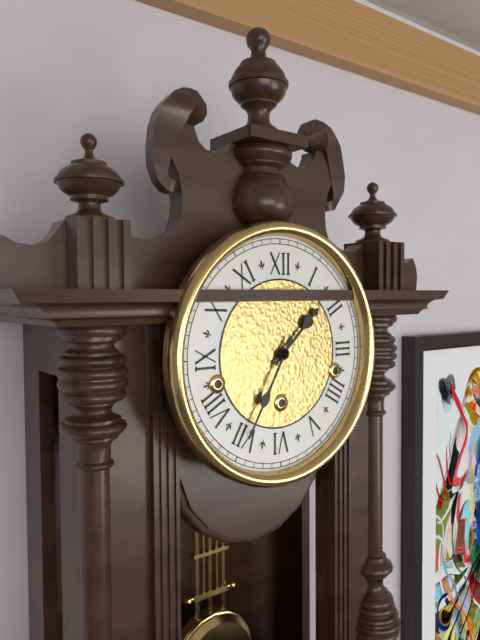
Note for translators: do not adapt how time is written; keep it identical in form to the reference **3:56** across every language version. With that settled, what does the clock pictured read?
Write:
**1:35**
